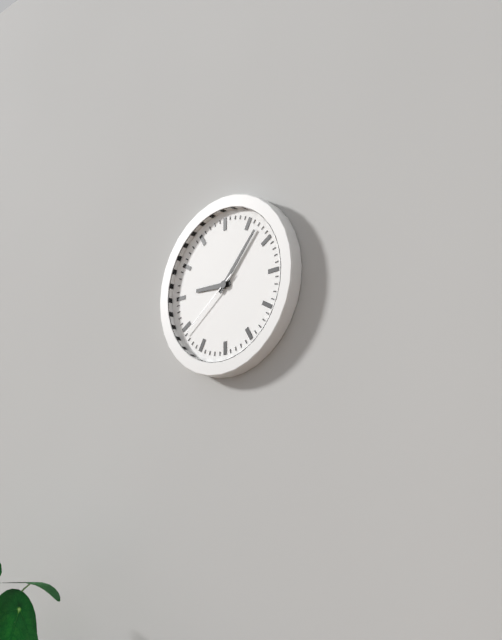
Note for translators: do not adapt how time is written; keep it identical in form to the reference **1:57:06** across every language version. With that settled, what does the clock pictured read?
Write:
**9:07:39**
